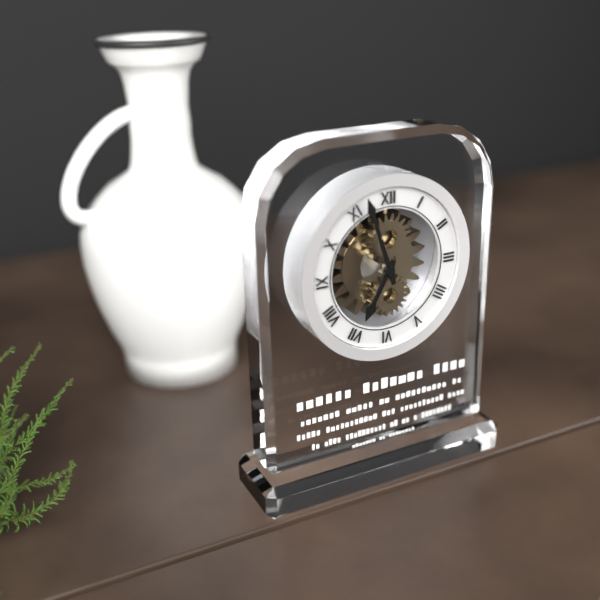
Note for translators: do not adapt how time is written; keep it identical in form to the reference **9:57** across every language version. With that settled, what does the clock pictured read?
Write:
**6:57**
